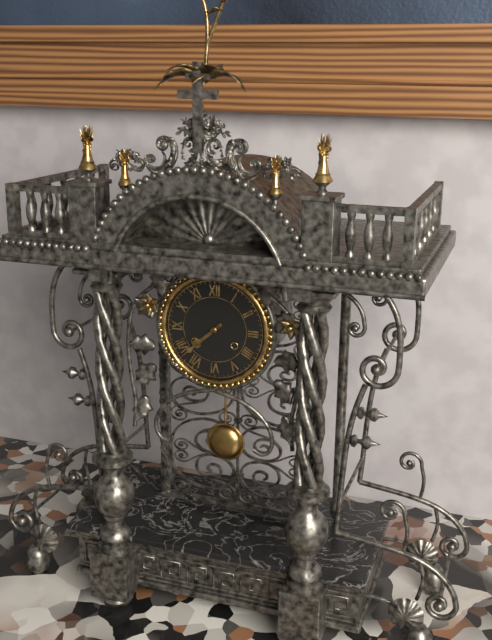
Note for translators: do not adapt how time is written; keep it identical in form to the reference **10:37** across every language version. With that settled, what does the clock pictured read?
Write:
**7:38**
